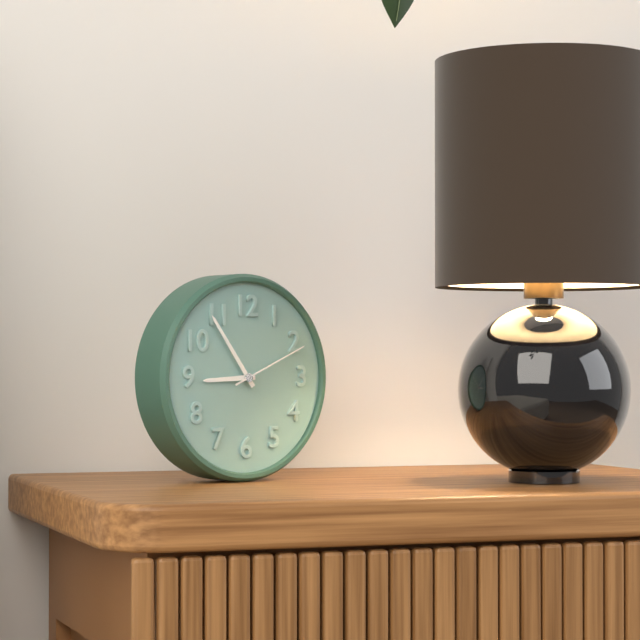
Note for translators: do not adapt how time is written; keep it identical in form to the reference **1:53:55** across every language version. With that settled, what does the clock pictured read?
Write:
**8:54:11**
